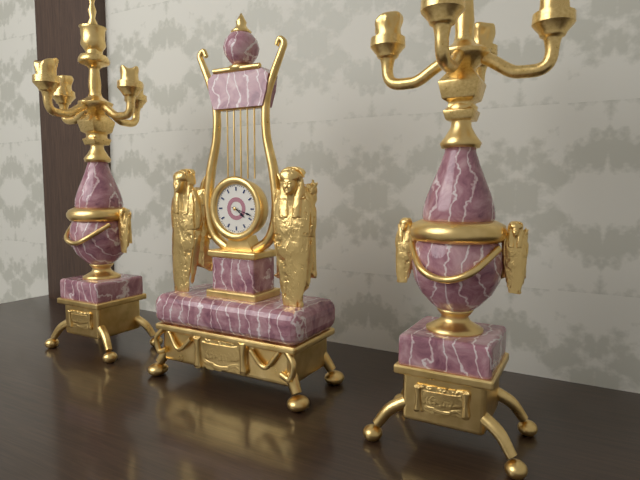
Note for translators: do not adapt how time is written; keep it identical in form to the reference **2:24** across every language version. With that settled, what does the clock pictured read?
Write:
**4:18**
